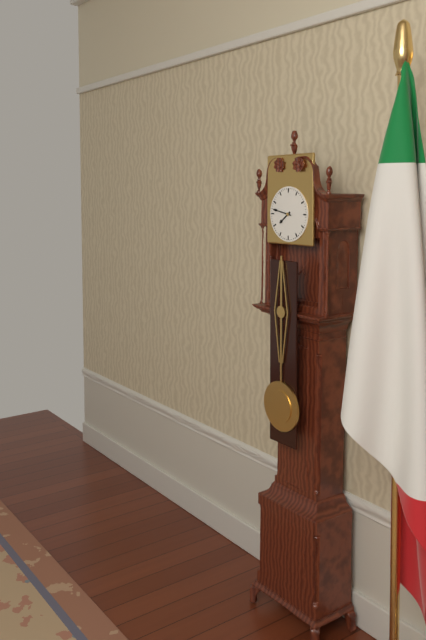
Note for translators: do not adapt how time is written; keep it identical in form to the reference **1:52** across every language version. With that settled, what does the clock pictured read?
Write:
**7:47**
